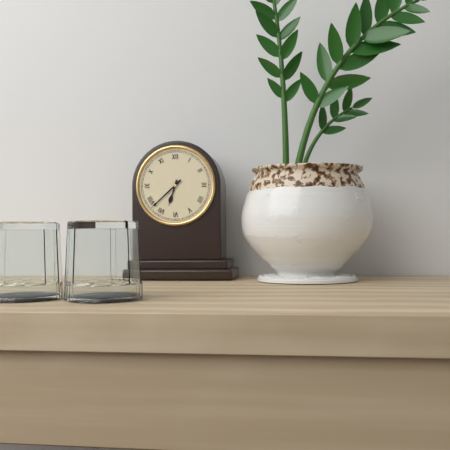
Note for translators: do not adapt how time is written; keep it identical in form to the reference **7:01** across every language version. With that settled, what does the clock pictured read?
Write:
**6:38**
